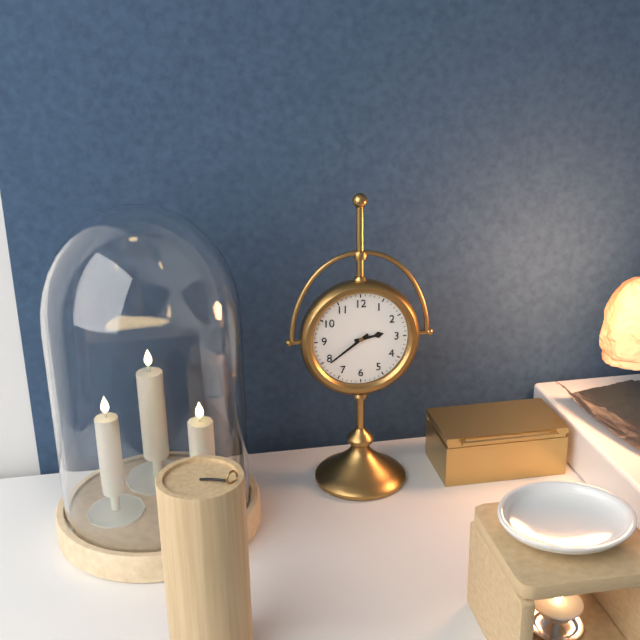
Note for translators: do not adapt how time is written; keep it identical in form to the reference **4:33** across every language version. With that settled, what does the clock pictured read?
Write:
**2:39**
